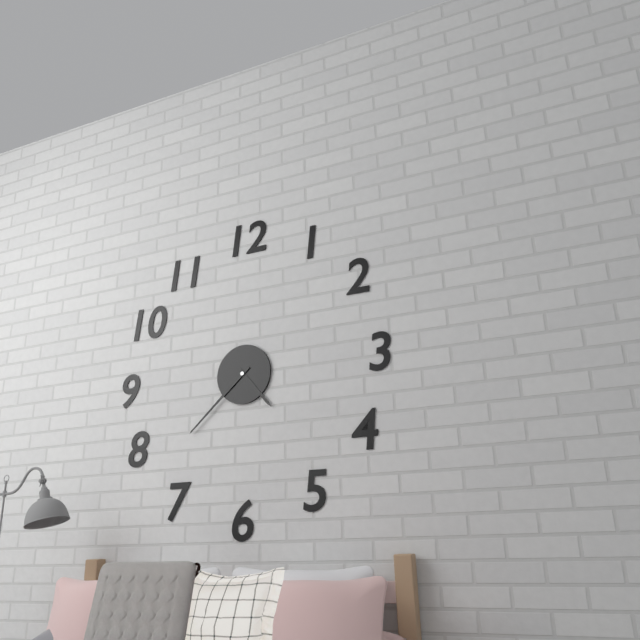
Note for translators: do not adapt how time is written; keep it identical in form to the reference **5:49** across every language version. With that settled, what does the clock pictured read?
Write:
**4:38**
